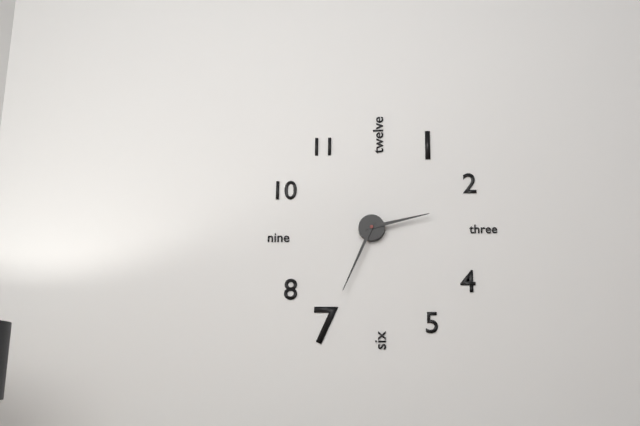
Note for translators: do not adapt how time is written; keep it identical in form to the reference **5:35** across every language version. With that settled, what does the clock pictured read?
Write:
**2:34**
